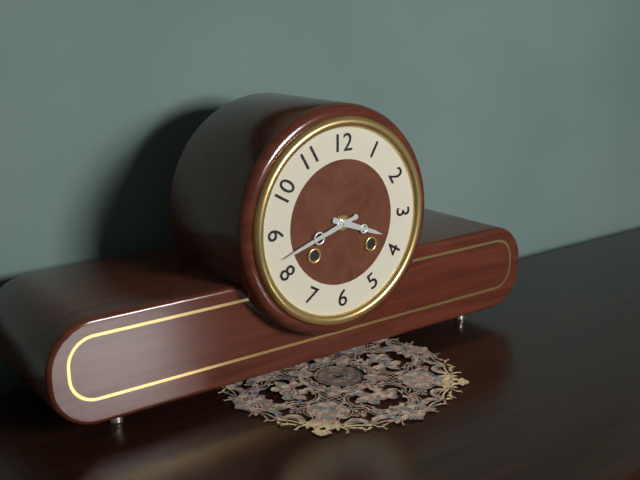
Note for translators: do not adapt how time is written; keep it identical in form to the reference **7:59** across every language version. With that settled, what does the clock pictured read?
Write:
**3:42**
